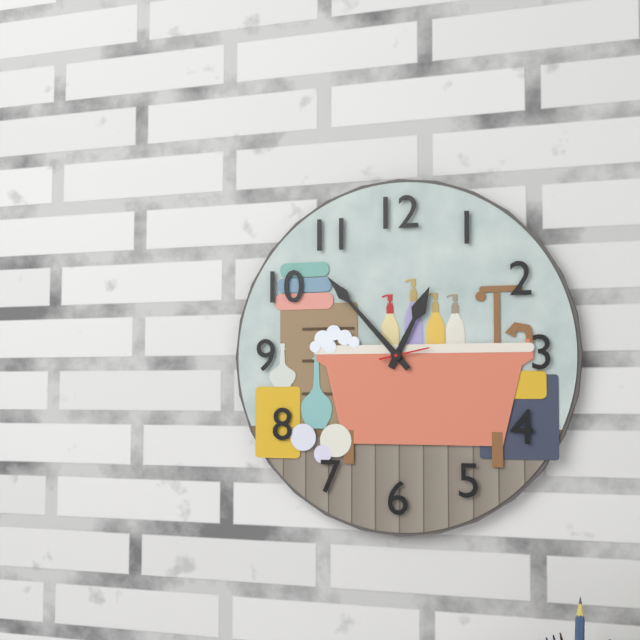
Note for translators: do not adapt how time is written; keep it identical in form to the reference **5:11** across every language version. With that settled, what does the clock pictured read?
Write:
**12:53**
